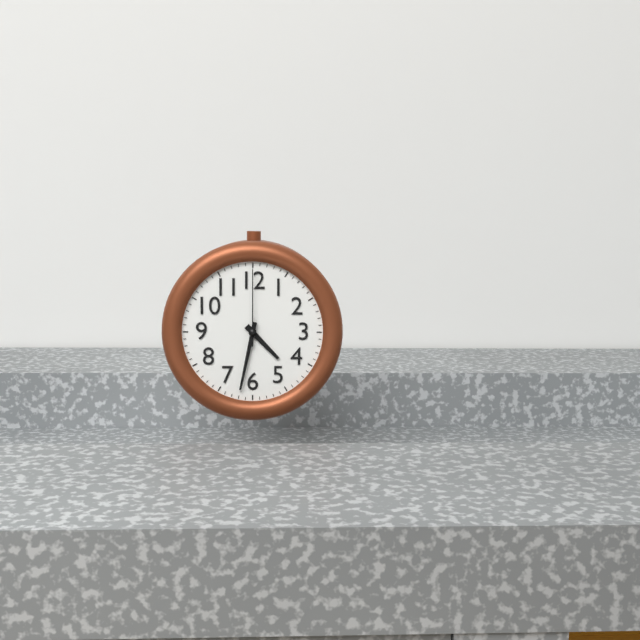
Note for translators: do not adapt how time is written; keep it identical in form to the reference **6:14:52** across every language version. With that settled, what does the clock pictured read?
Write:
**4:32:00**
